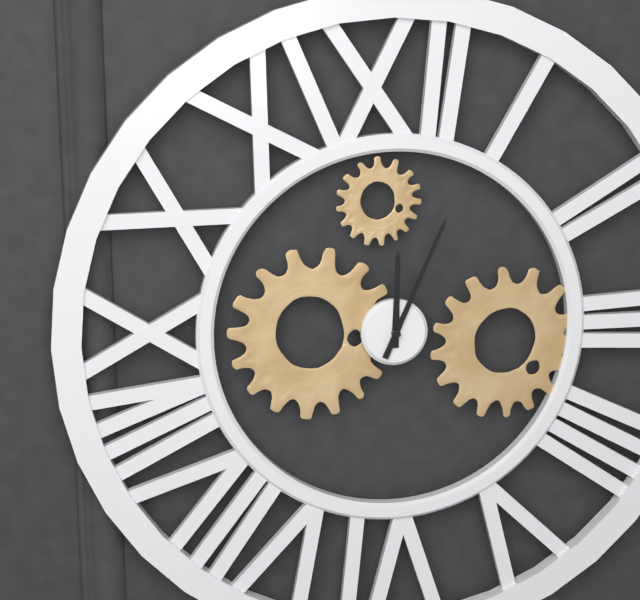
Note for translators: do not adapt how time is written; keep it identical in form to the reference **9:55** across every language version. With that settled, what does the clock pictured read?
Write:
**12:04**
